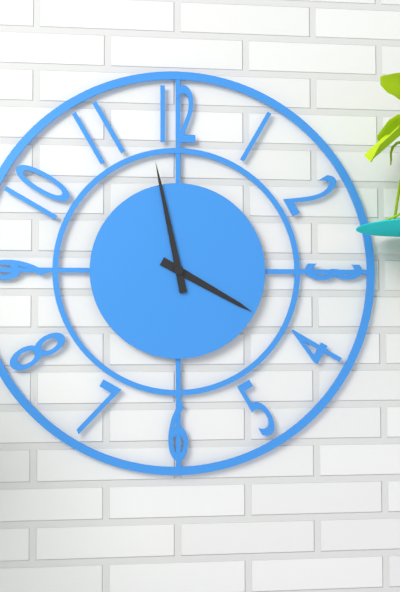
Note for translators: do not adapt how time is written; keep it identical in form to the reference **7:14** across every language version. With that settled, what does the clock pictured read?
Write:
**3:58**
